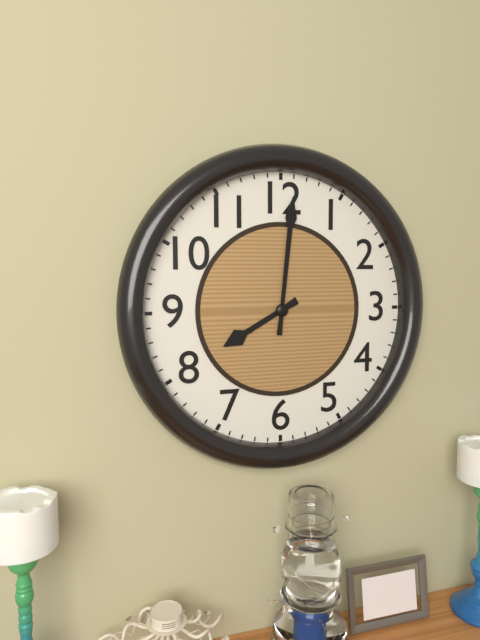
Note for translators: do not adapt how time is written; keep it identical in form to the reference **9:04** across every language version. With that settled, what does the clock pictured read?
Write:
**8:01**
